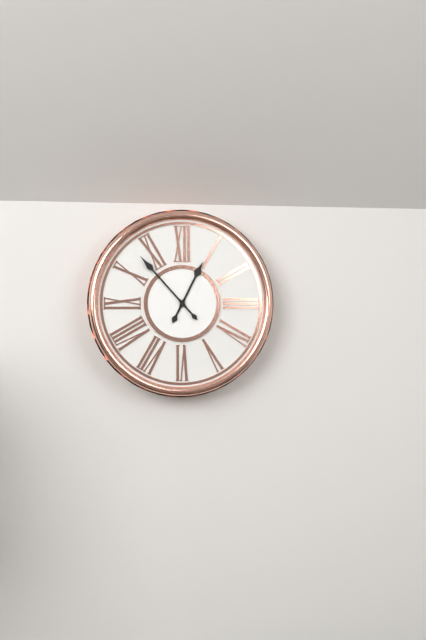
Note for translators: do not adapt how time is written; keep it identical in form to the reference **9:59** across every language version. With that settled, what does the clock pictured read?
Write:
**12:53**
